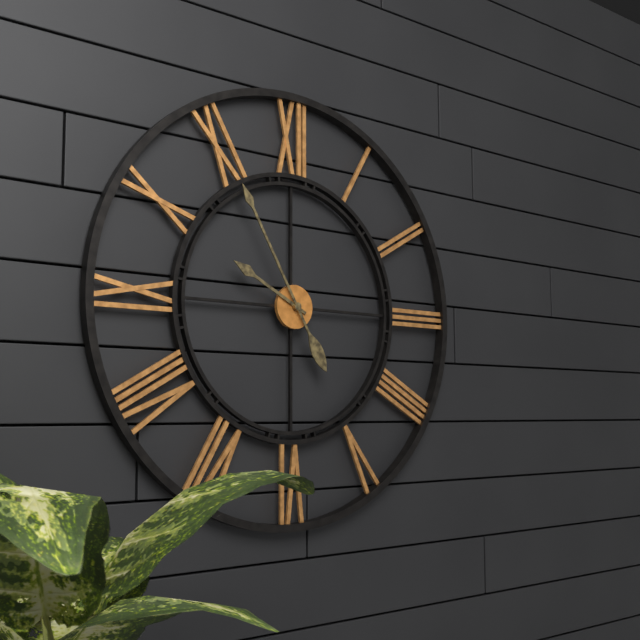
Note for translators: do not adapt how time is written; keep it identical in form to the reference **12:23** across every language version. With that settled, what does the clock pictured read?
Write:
**9:55**
